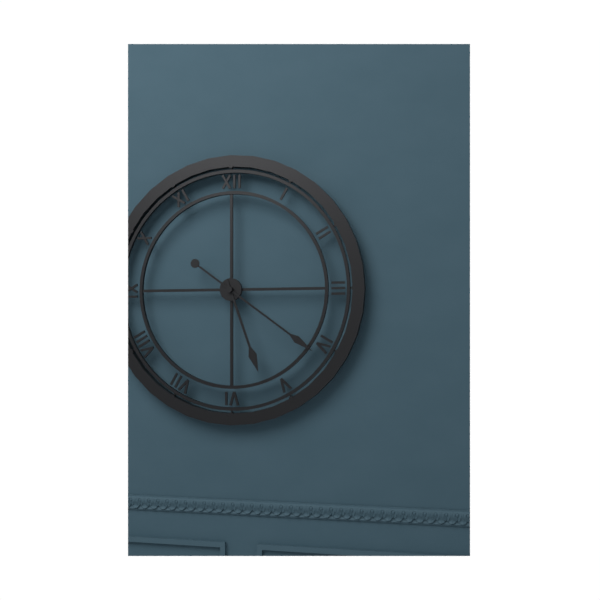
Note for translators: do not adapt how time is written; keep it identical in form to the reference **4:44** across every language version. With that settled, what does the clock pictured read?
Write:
**5:21**
